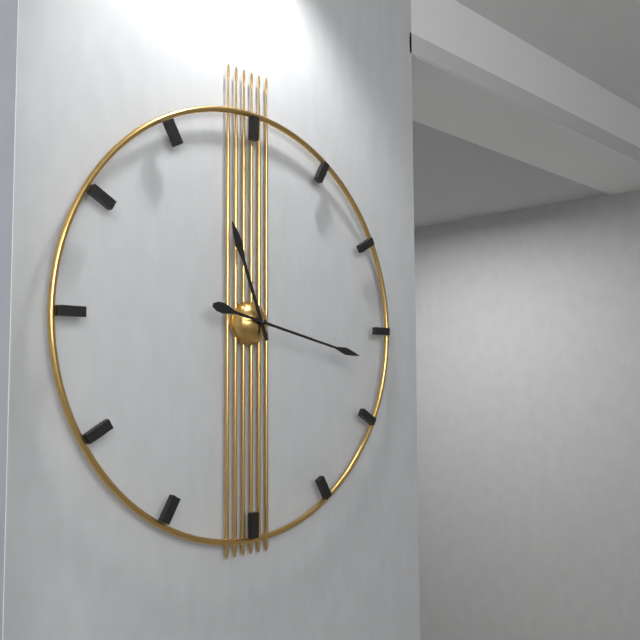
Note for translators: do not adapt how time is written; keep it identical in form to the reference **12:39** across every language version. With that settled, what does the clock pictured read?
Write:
**11:17**
